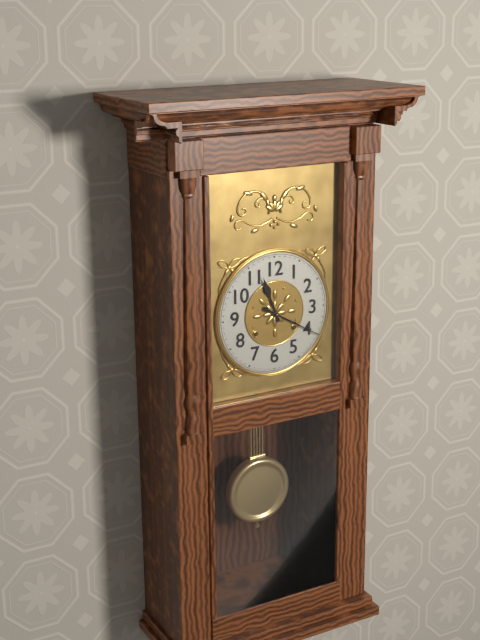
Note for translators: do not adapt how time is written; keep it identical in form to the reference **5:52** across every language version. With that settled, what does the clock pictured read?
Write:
**11:20**
